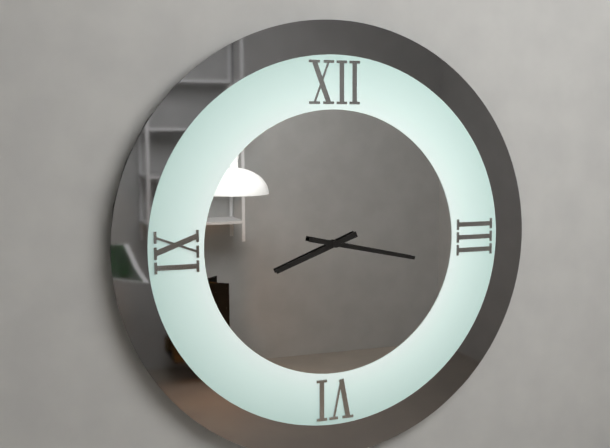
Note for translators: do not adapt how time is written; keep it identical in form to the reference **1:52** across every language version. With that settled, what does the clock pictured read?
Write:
**8:17**
